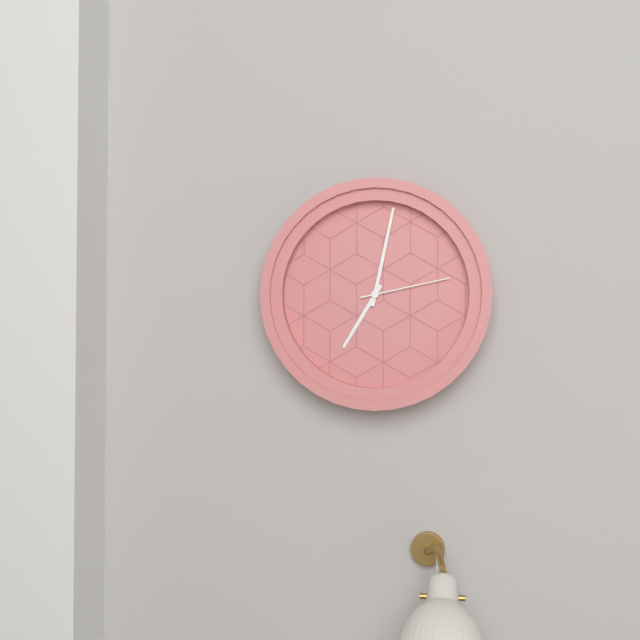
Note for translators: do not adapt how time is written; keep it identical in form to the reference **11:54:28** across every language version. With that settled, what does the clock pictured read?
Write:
**7:02:13**
